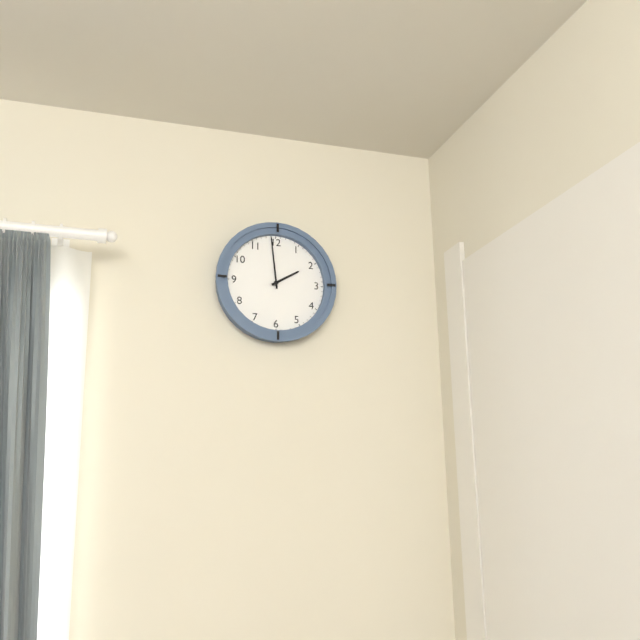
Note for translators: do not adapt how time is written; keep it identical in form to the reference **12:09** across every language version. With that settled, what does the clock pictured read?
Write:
**1:59**
